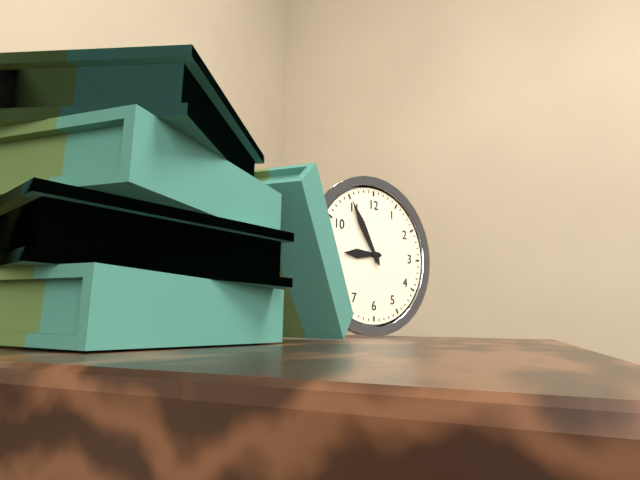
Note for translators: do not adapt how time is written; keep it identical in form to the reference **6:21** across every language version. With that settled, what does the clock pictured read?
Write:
**8:55**
